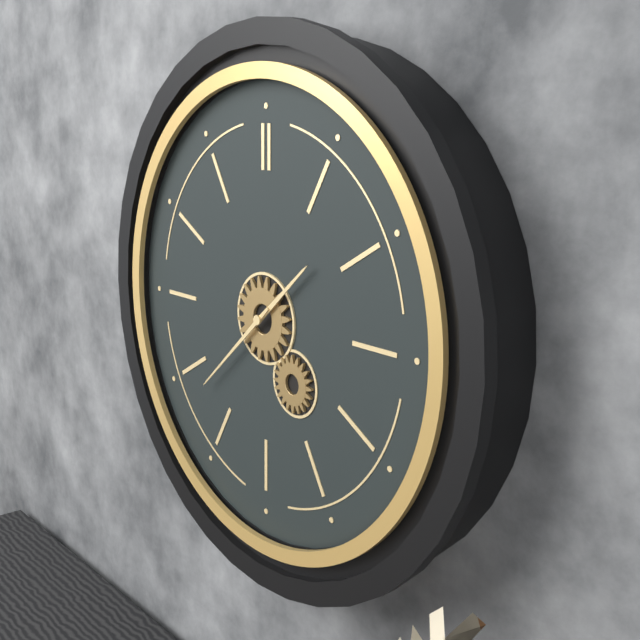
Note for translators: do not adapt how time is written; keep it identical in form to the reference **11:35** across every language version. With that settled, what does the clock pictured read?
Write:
**1:38**
